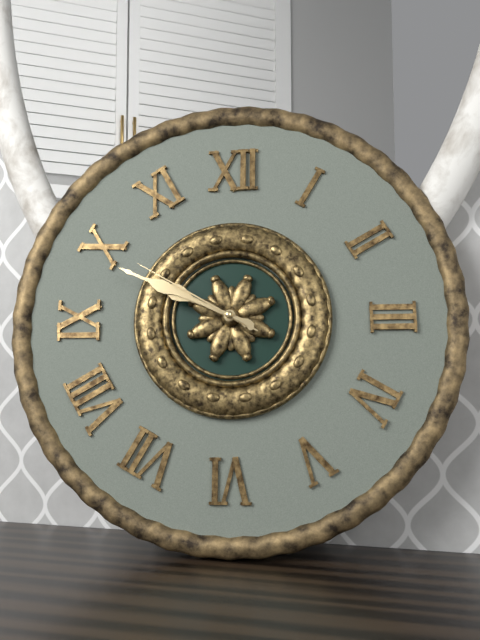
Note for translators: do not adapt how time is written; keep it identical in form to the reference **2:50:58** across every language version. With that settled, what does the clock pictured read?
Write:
**9:49:50**
